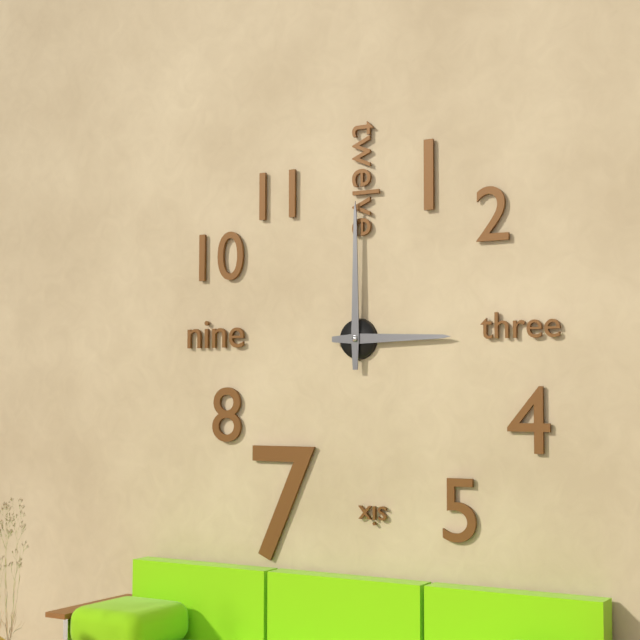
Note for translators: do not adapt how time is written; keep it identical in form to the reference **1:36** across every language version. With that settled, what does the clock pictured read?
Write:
**3:00**
